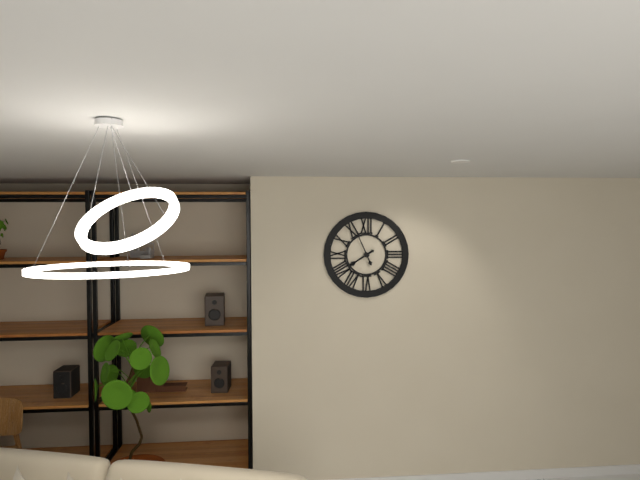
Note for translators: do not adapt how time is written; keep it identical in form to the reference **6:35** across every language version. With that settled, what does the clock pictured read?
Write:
**7:56**
